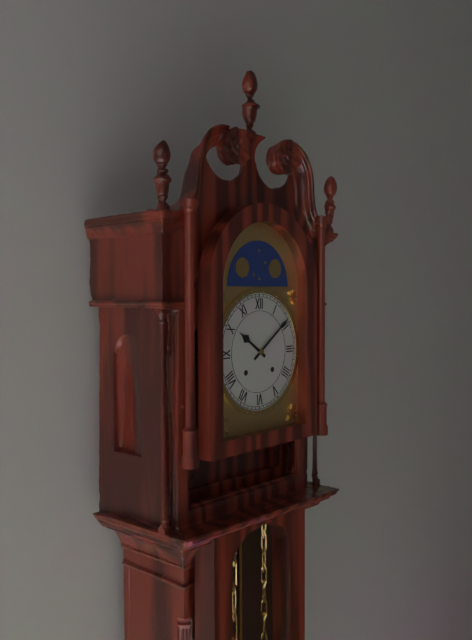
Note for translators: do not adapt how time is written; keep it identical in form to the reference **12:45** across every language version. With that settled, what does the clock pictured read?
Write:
**10:09**
